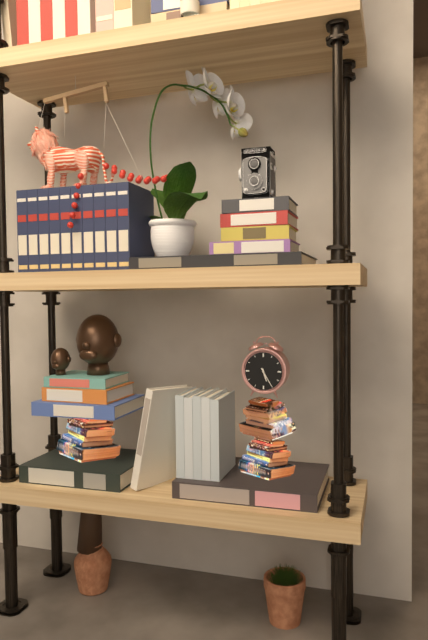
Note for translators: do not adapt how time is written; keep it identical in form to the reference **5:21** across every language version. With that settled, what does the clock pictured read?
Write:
**5:25**
